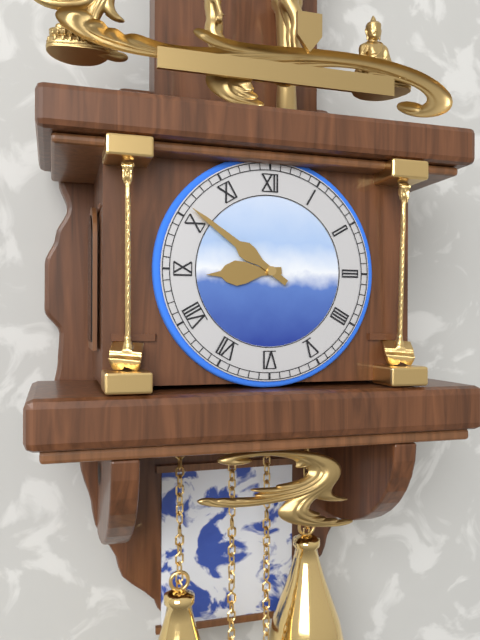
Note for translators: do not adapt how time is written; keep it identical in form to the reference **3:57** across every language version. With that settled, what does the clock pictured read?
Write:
**8:51**
